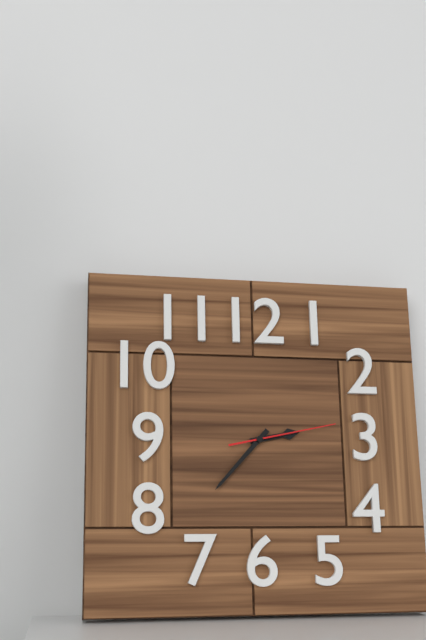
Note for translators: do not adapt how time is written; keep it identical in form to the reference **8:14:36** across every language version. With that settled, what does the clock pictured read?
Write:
**2:37:13**
